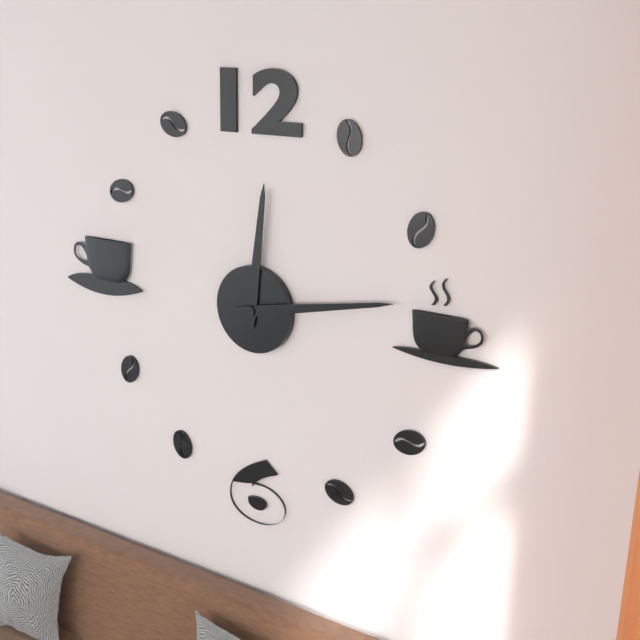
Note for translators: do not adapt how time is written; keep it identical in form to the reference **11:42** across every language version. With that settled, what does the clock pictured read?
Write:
**12:13**
